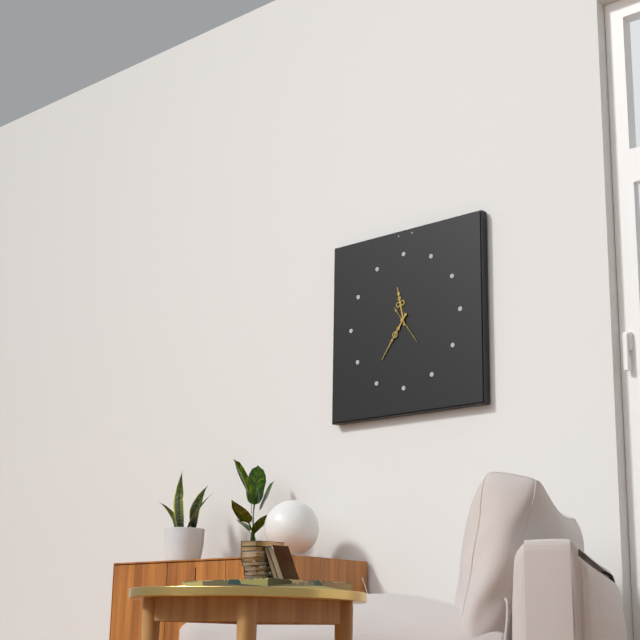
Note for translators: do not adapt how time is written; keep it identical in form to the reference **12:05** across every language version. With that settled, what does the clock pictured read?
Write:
**11:36**
